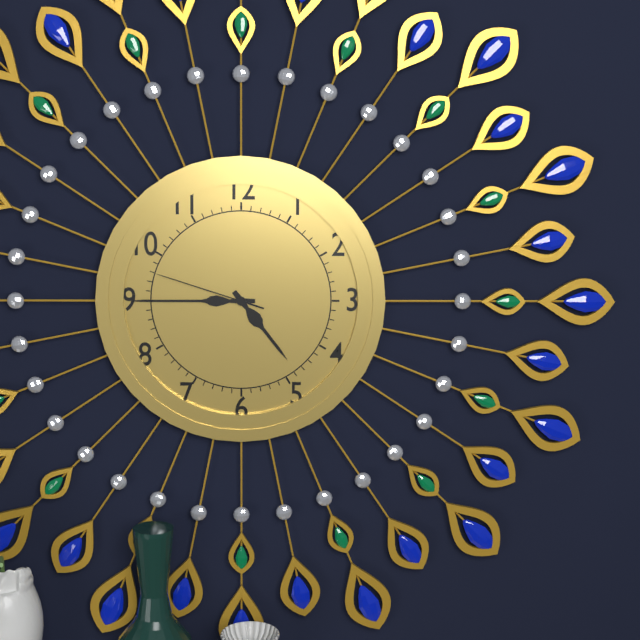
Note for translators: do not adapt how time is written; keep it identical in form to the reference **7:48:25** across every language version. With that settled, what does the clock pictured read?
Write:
**4:45:48**
